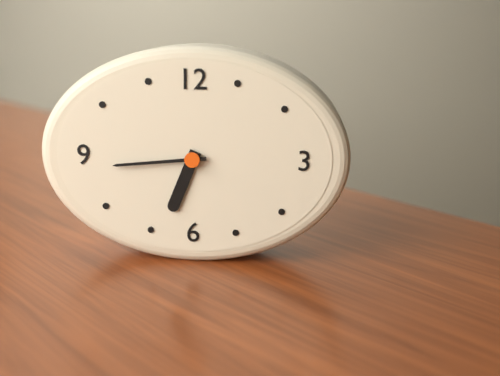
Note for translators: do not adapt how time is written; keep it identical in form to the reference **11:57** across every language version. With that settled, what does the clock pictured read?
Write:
**6:44**
